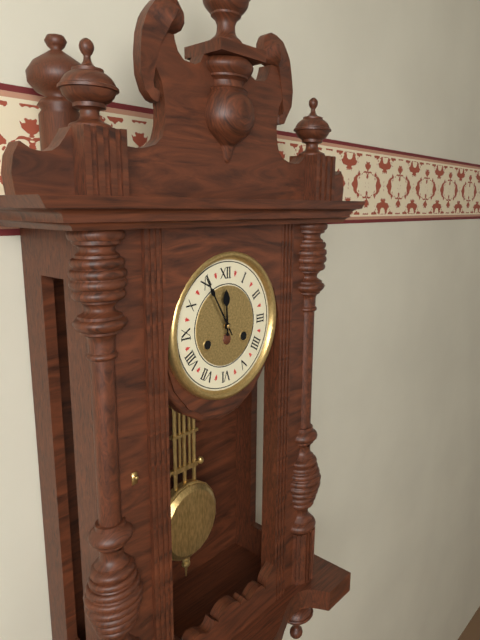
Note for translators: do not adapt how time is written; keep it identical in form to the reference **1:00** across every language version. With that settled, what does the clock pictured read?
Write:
**11:55**
